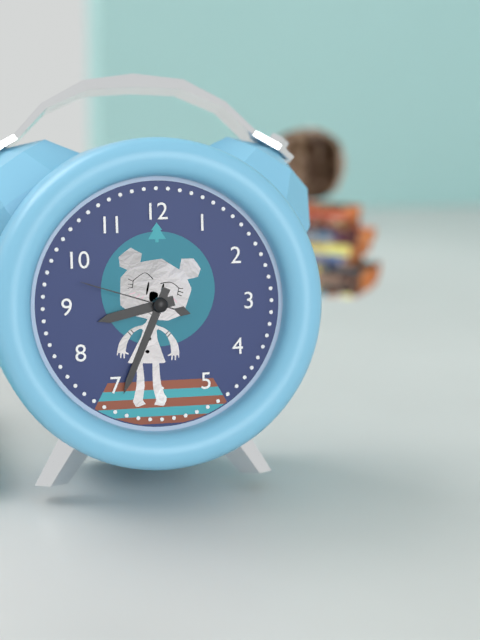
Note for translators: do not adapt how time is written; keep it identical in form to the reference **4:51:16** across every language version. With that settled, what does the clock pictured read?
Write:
**8:34:48**
